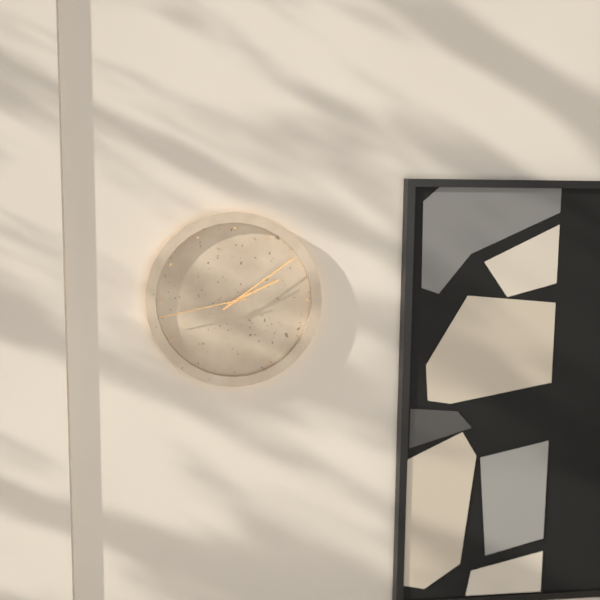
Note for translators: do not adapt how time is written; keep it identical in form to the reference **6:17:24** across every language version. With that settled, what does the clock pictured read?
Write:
**2:09:43**
